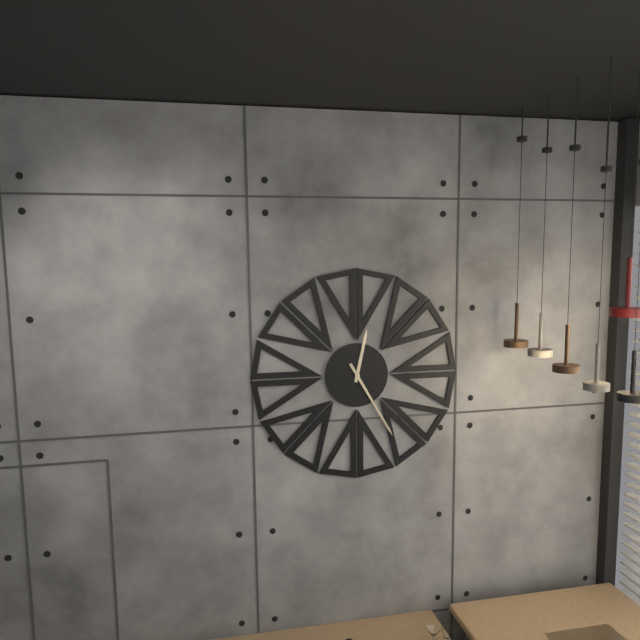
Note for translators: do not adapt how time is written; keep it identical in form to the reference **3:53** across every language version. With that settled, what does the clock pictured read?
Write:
**12:25**
